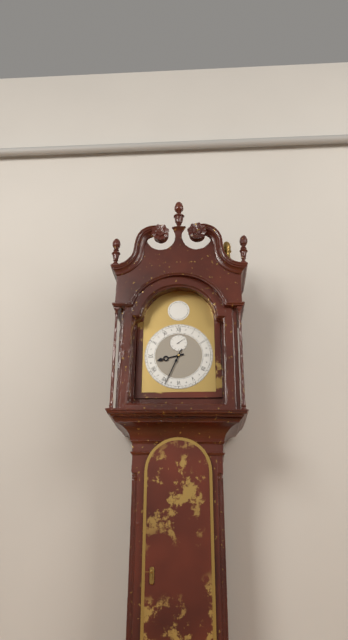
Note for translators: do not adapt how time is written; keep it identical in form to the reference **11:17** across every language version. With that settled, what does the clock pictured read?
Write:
**8:34**
